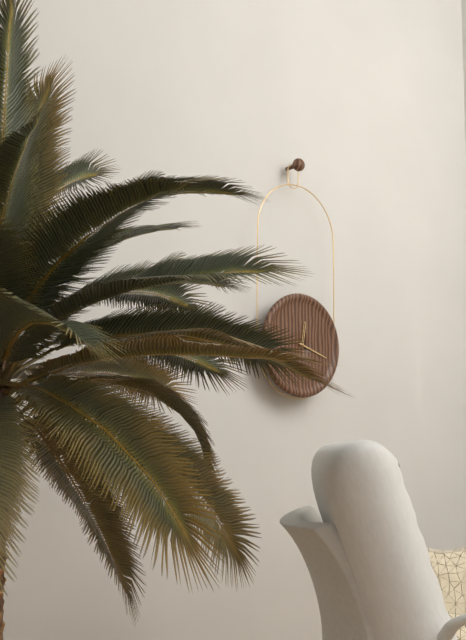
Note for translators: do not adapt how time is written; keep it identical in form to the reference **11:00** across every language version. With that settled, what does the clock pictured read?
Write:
**12:18**
